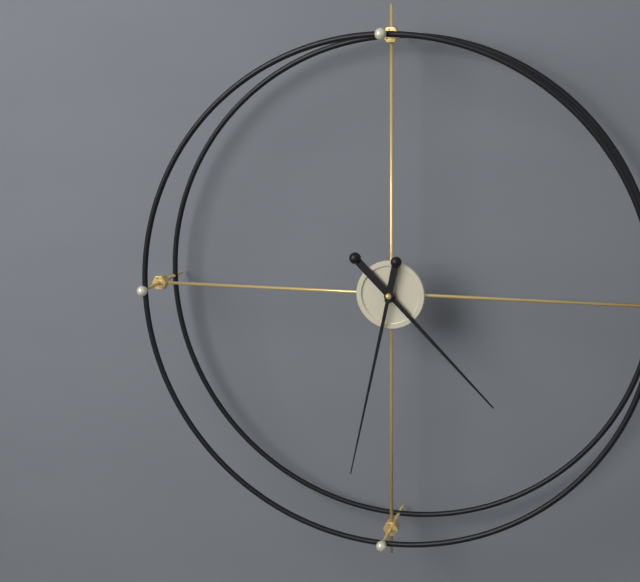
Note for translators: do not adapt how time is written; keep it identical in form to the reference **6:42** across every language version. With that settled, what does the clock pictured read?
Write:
**4:32**
